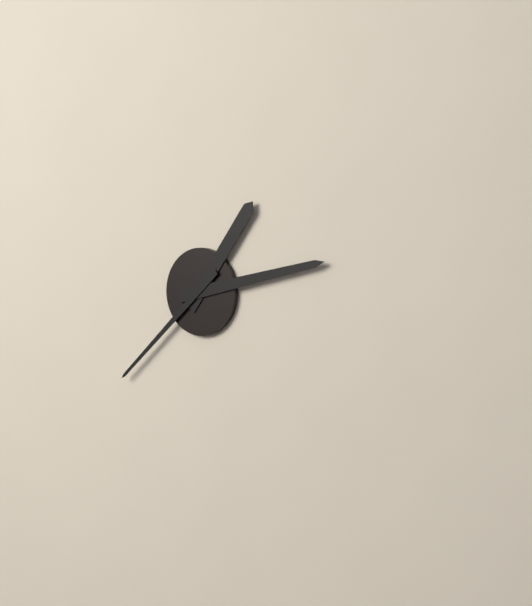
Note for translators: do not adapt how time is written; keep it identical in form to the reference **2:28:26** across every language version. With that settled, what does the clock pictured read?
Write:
**1:13:38**
